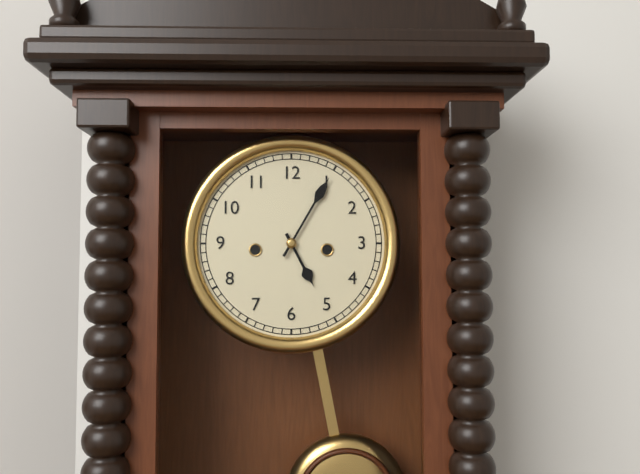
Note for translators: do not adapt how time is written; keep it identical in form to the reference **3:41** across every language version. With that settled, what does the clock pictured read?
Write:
**5:05**
